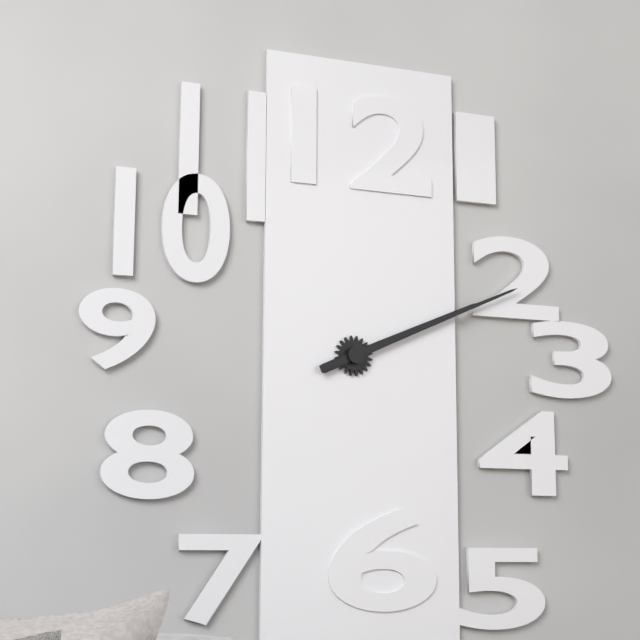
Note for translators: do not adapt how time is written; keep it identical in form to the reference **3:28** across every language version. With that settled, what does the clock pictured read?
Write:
**2:11**
